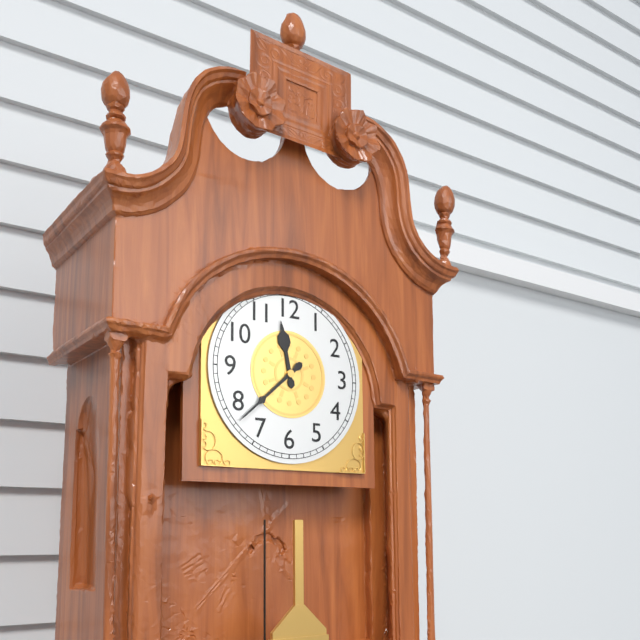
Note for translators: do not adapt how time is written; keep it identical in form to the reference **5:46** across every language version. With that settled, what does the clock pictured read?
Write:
**11:38**
